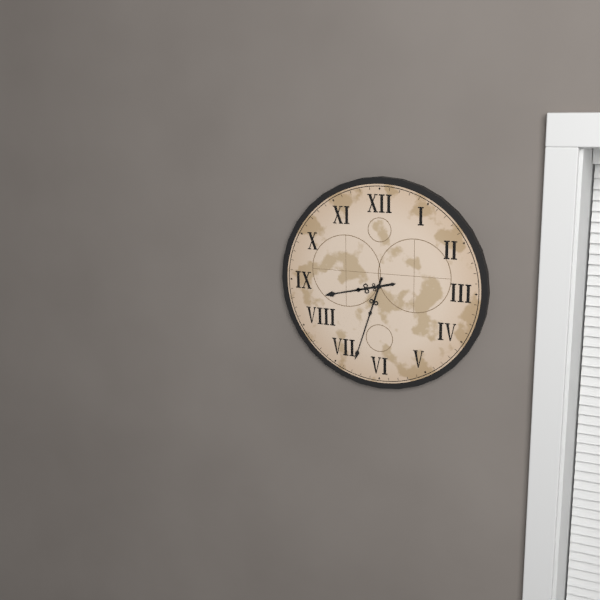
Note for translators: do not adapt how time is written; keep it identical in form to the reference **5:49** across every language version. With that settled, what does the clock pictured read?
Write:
**8:33**
